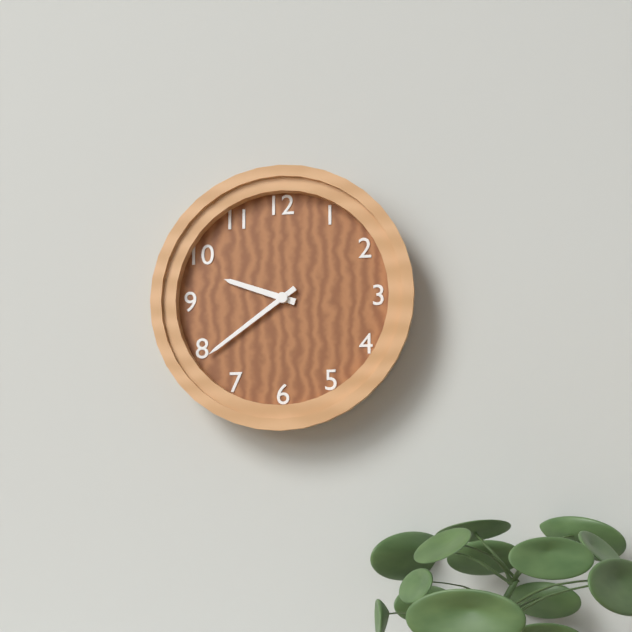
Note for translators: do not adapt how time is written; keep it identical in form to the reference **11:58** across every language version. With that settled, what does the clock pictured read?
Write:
**9:39**
